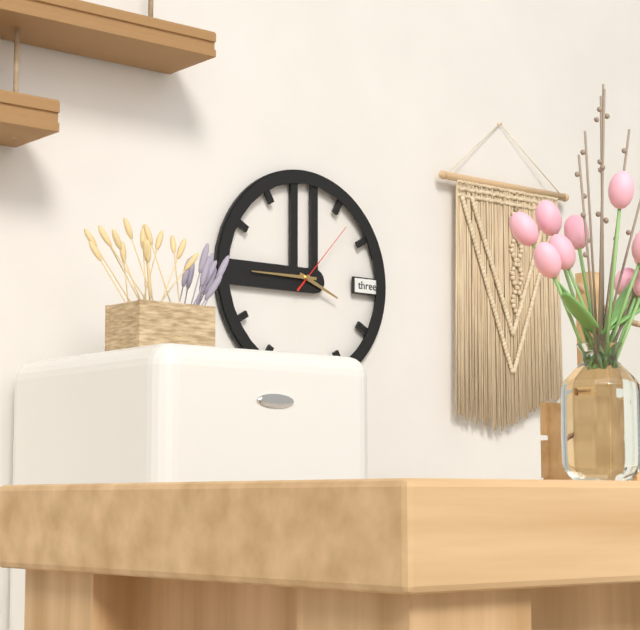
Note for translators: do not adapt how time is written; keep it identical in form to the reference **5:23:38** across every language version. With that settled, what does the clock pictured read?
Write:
**3:45:07**
